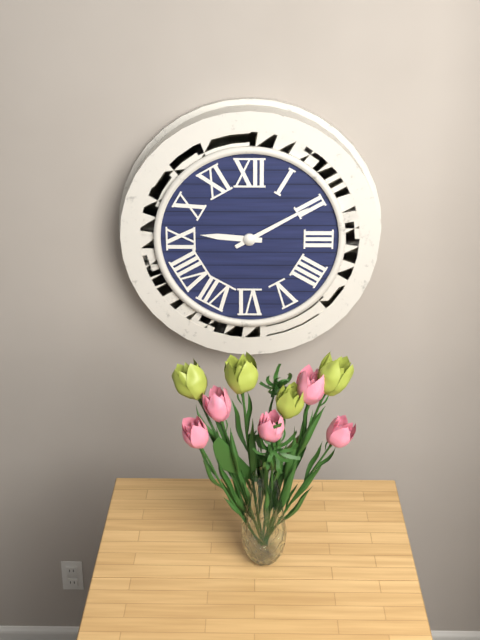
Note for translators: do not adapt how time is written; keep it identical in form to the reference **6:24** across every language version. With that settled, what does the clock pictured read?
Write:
**9:10**
